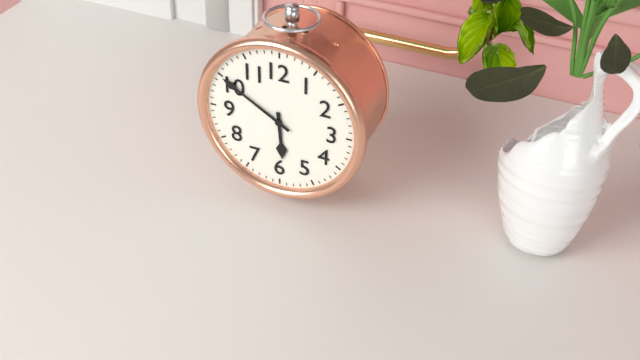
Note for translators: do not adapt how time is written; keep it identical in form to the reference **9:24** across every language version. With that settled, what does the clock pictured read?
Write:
**5:50**
